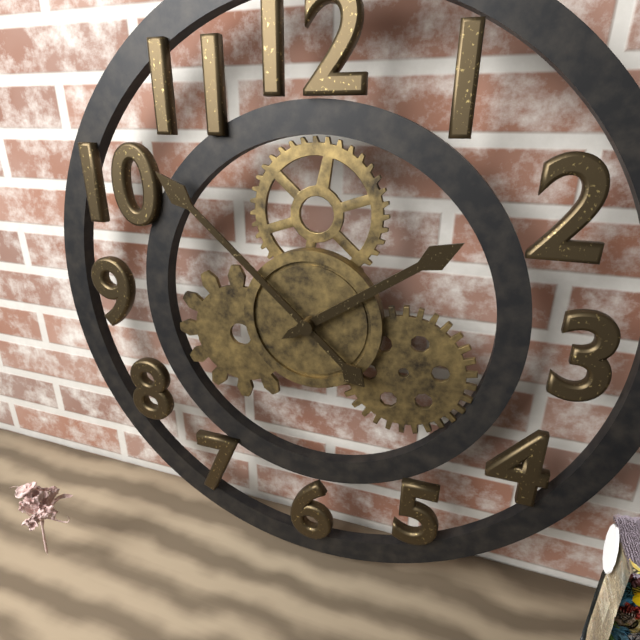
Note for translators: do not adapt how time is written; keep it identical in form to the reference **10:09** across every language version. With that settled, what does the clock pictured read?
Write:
**1:52**
